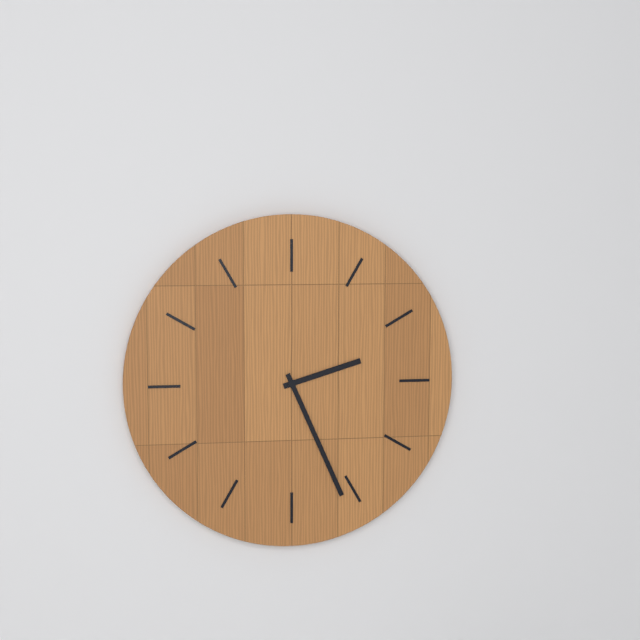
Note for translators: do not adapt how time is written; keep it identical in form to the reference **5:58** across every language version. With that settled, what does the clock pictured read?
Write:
**2:26**
